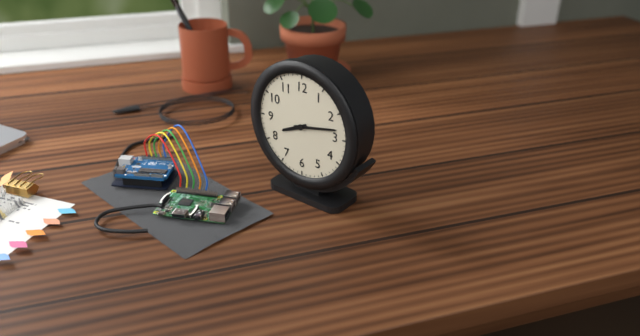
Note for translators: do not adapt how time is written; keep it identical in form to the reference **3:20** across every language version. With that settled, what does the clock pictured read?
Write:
**8:13**
